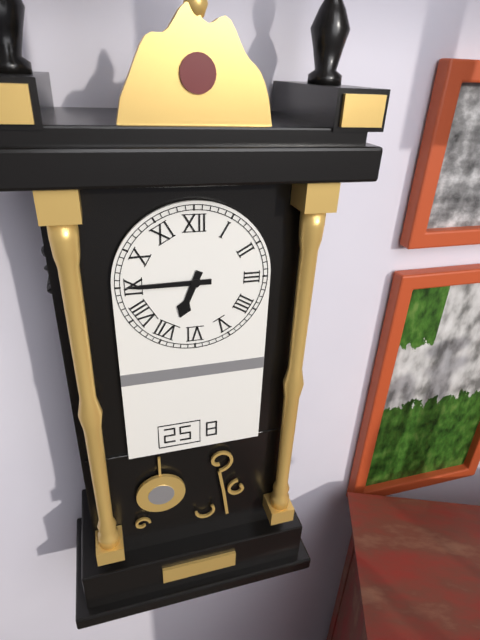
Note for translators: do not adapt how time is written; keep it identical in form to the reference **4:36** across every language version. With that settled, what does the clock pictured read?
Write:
**6:45**
